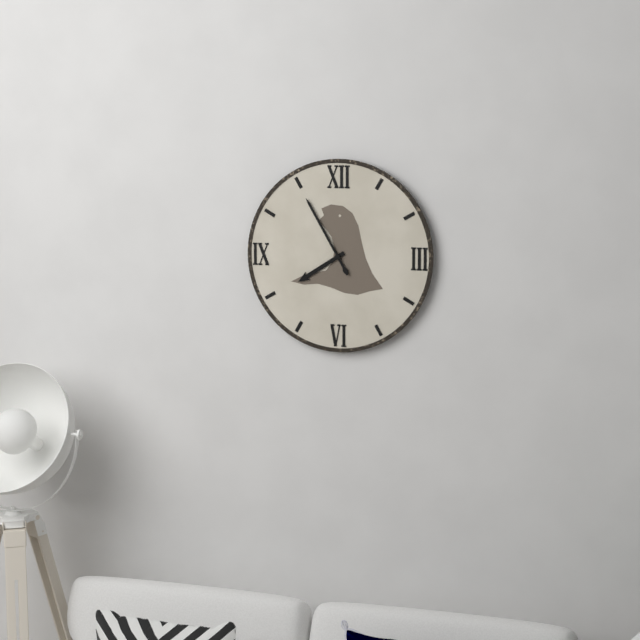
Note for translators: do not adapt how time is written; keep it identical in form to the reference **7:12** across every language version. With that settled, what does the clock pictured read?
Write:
**7:55**
